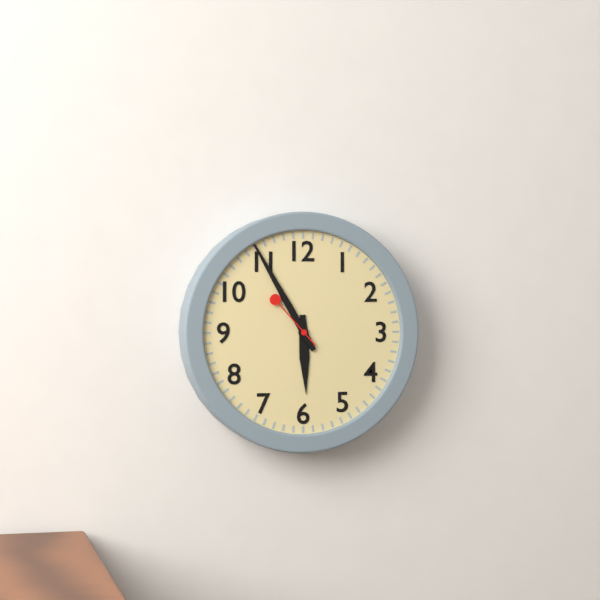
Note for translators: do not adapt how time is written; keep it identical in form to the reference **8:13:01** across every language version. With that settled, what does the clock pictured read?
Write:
**5:55:53**
